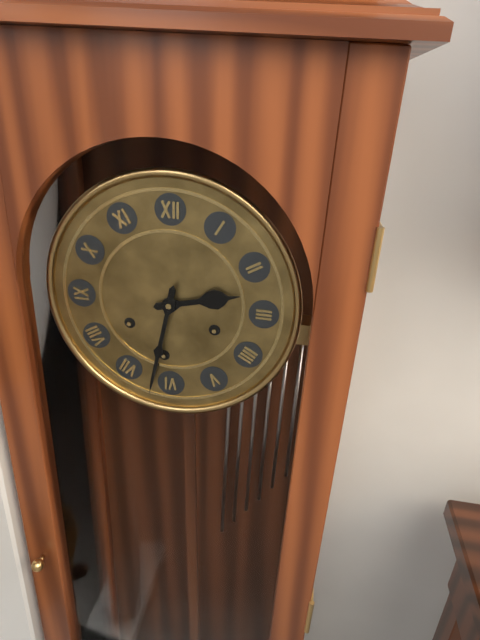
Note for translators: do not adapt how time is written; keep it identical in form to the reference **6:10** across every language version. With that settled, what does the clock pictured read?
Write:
**2:32**
